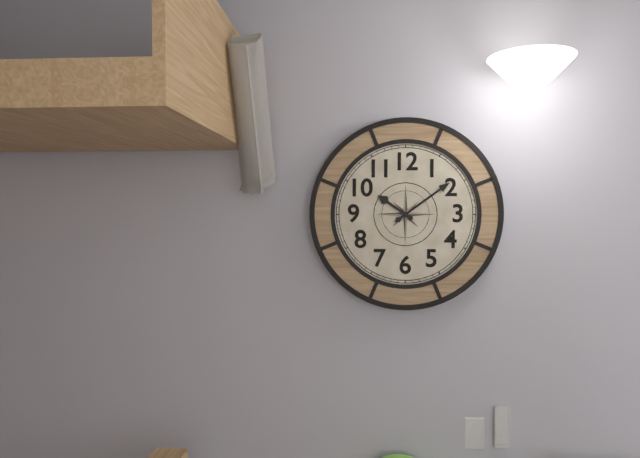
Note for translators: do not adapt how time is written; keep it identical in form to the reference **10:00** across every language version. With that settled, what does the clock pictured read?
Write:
**10:09**
